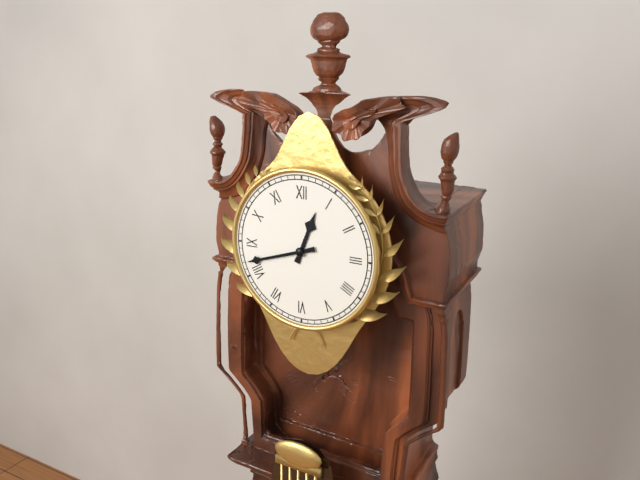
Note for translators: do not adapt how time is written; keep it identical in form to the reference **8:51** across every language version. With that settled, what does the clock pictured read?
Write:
**12:42**
